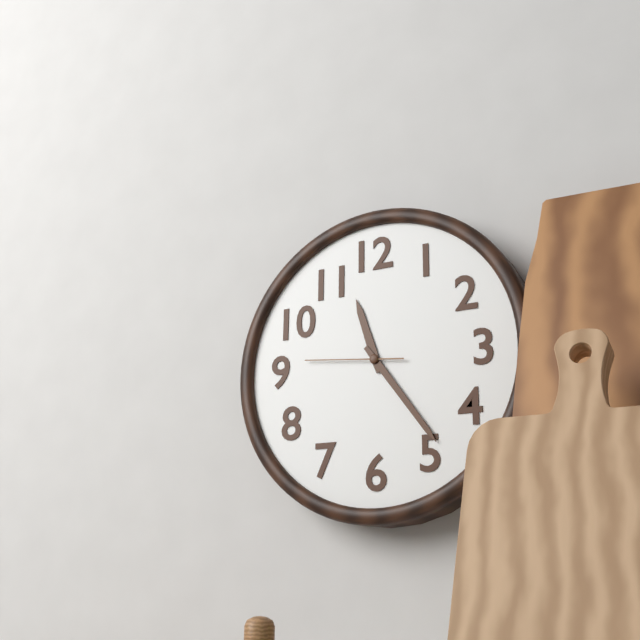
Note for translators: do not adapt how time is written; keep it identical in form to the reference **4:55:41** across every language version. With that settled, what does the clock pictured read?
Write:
**11:24:46**
